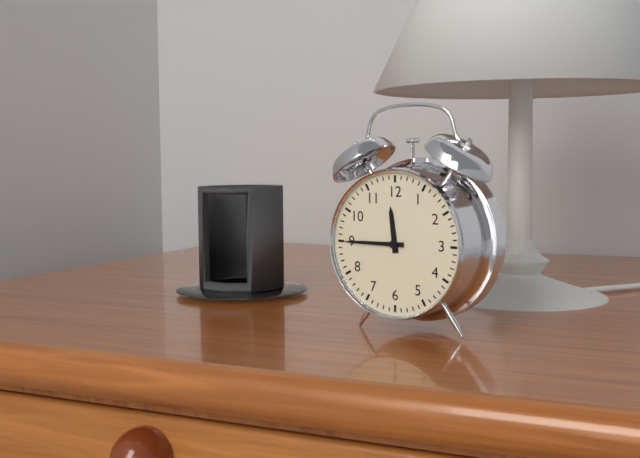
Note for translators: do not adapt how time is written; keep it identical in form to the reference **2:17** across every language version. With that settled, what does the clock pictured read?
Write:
**11:45**
